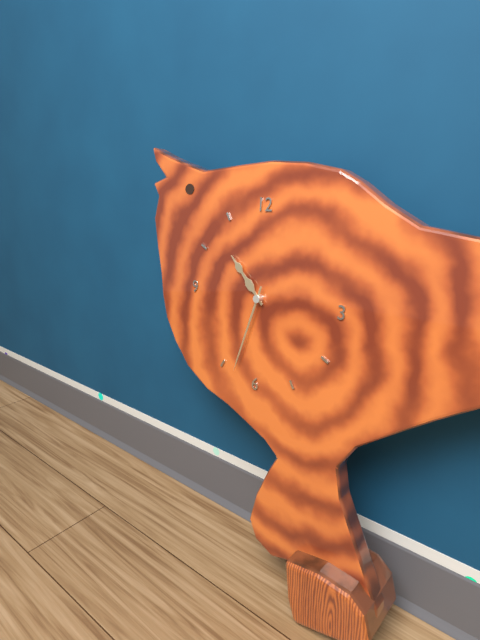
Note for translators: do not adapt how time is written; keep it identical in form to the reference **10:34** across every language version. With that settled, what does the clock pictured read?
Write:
**10:33**
